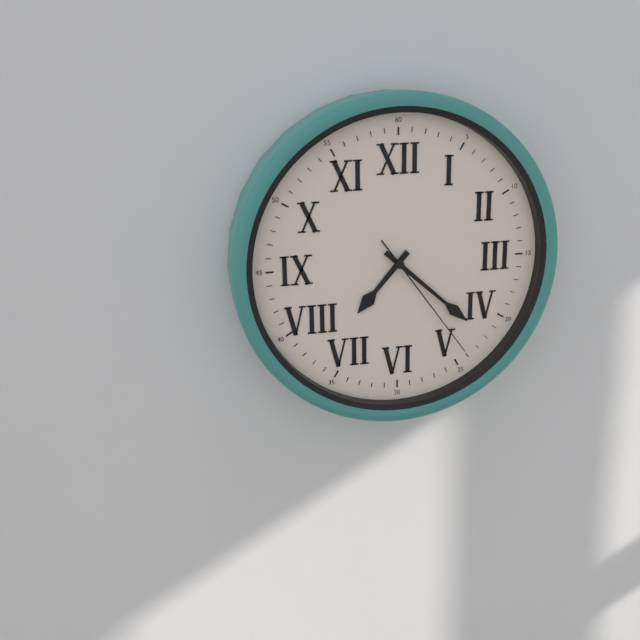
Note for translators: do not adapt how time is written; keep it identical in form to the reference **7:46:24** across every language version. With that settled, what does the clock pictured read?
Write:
**7:22:24**
